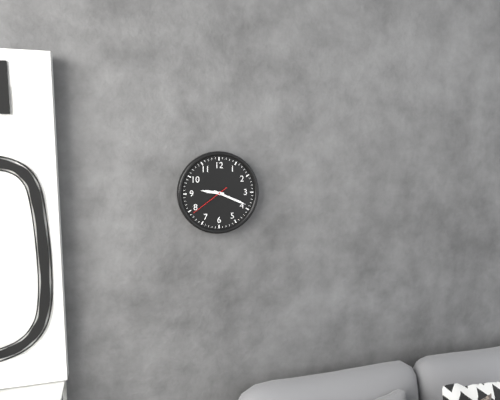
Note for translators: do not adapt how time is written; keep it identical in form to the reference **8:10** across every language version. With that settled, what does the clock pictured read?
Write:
**9:19**
